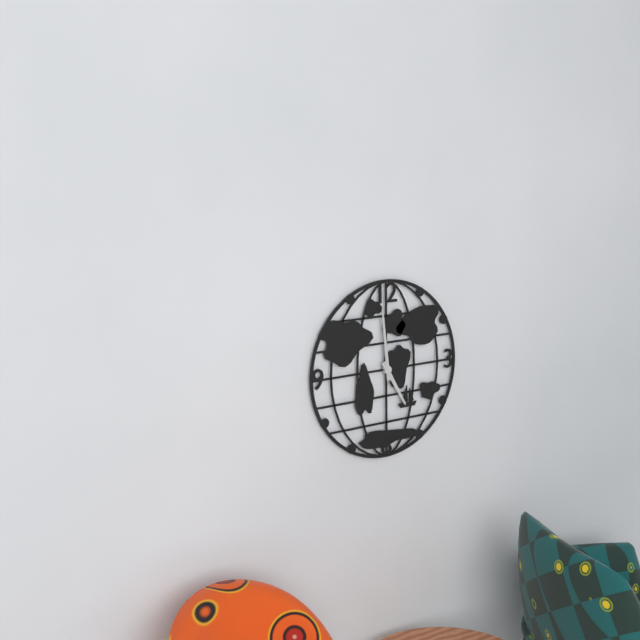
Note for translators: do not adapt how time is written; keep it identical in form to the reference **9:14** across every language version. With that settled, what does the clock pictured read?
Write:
**4:59**
